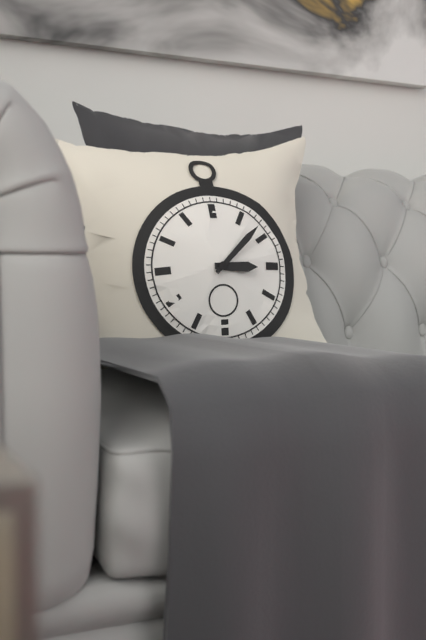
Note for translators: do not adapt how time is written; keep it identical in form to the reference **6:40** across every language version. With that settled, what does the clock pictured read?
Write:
**3:08**
